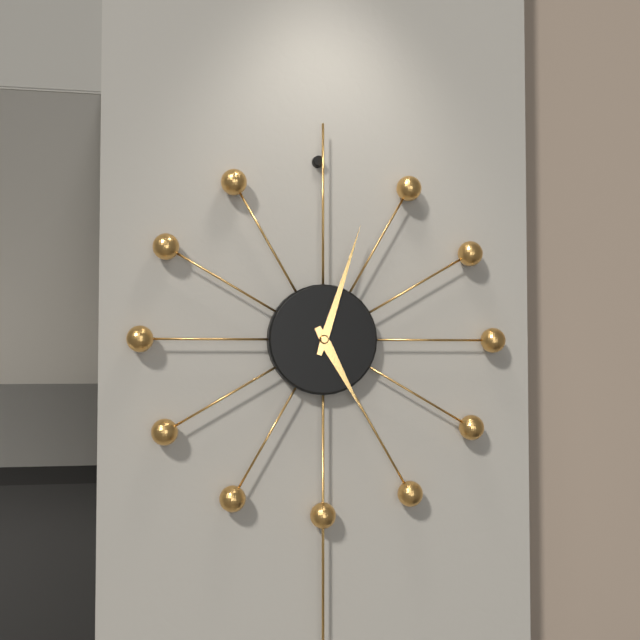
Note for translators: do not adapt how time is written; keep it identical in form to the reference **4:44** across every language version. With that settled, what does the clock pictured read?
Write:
**5:03**
